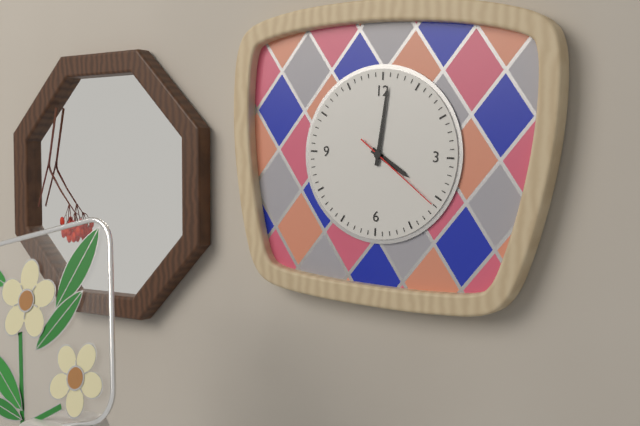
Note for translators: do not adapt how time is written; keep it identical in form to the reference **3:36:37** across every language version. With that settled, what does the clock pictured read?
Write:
**4:01:21**
